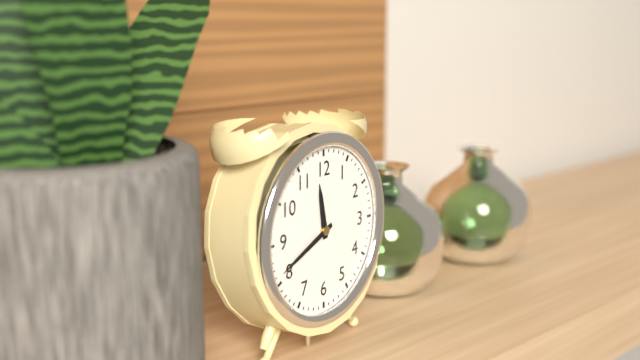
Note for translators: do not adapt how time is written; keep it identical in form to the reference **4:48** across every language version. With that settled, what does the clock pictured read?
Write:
**11:41**
